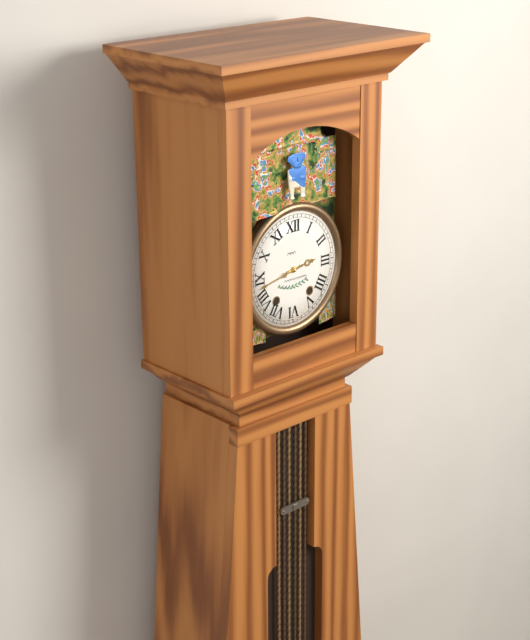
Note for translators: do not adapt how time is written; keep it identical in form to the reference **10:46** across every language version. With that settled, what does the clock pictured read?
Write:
**2:43**
